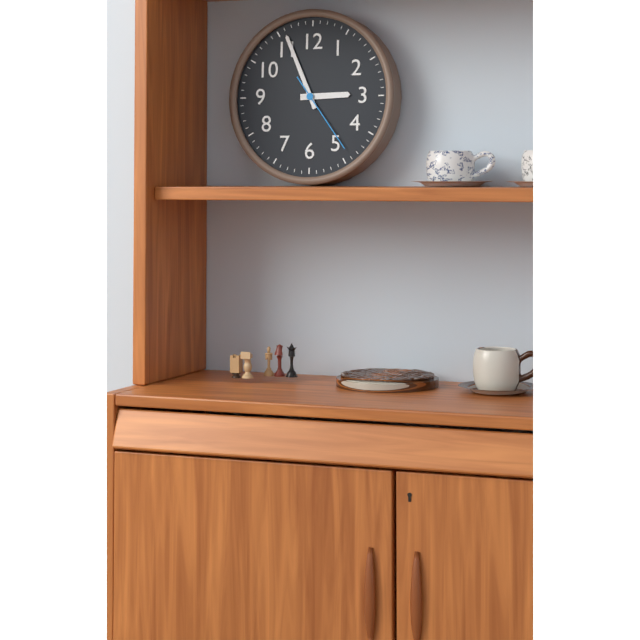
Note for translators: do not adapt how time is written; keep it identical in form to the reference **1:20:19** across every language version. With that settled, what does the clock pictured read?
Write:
**2:56:24**
